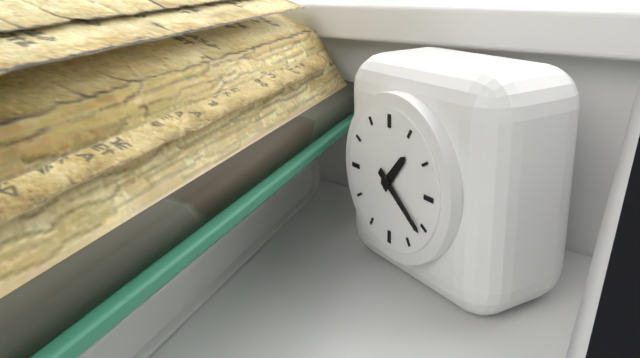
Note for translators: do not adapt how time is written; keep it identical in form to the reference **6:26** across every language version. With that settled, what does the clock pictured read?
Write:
**1:21**
